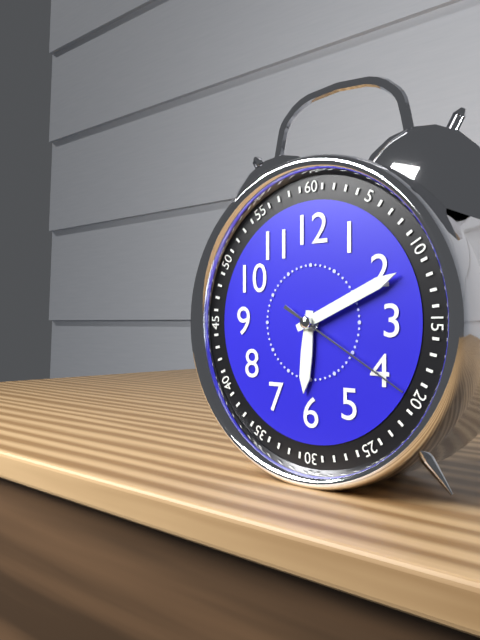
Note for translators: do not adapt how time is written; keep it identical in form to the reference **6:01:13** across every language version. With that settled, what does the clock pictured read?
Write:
**6:11:20**
